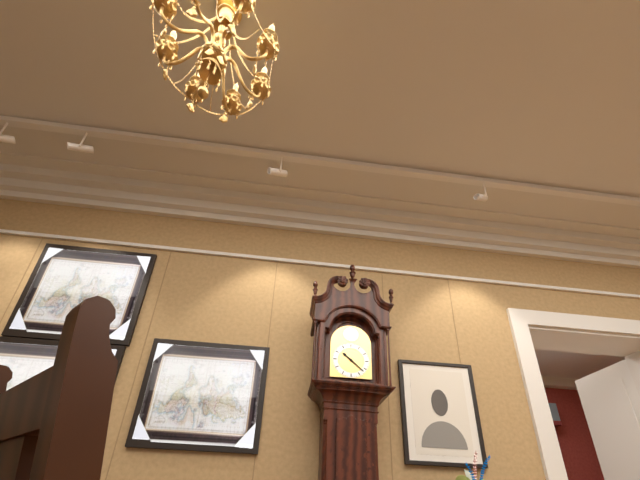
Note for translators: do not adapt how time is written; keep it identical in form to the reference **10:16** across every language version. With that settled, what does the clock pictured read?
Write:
**10:22**
